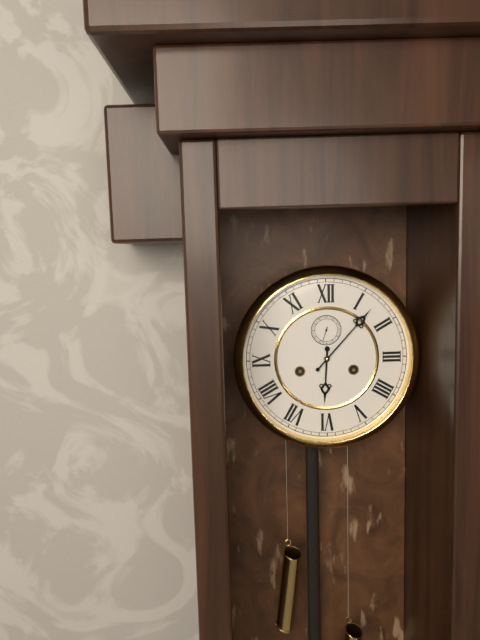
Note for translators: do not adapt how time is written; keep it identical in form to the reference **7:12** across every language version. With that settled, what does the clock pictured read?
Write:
**6:07**
